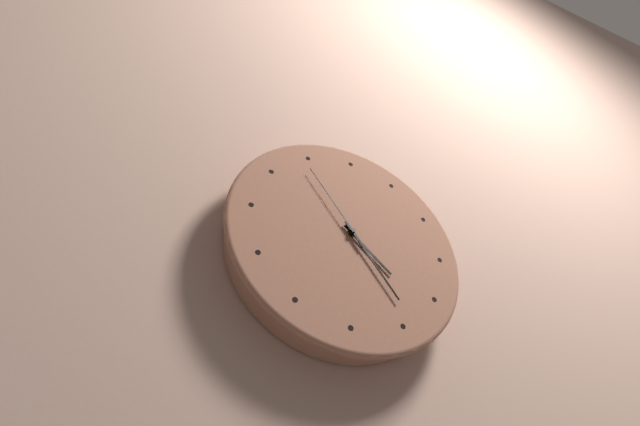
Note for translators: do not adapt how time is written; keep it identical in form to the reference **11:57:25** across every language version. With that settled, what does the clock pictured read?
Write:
**4:24:54**
